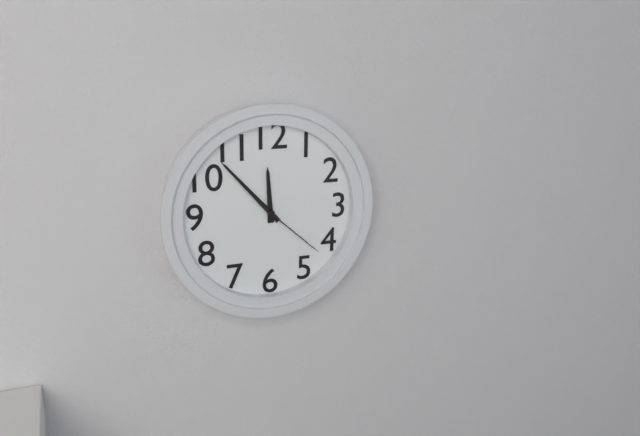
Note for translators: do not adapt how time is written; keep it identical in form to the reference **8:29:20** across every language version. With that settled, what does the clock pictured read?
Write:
**11:53:22**
